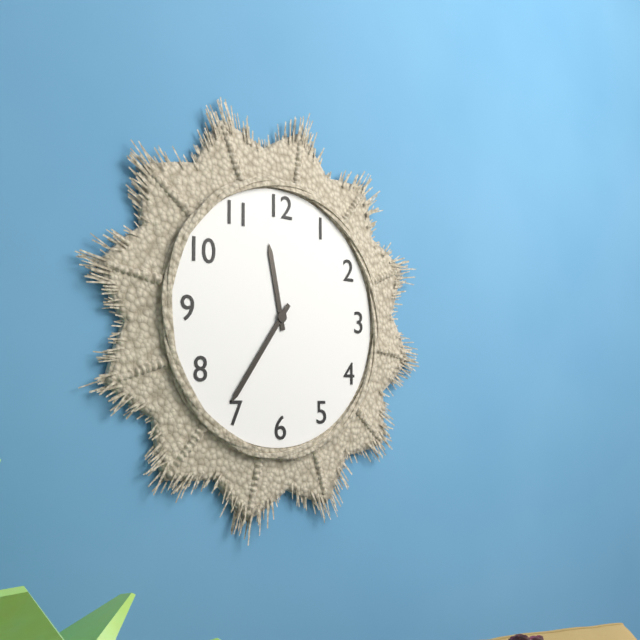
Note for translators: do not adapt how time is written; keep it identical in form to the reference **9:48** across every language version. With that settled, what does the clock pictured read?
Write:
**11:36**
